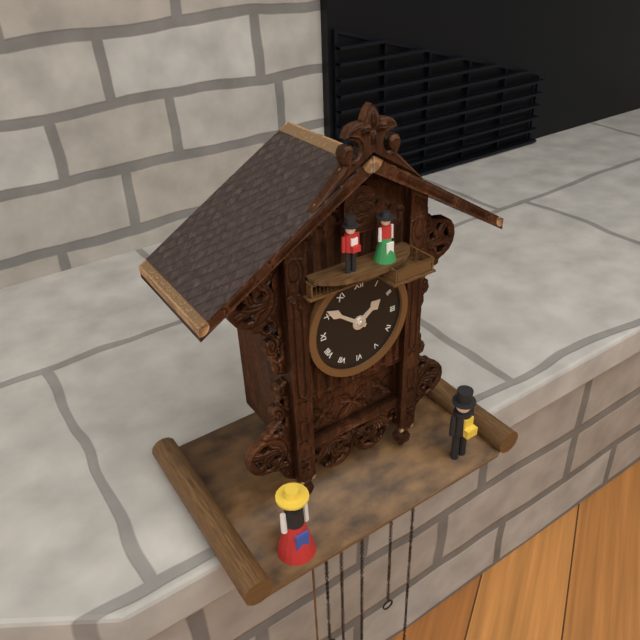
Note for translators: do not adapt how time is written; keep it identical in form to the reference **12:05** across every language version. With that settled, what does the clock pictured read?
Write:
**1:51**
